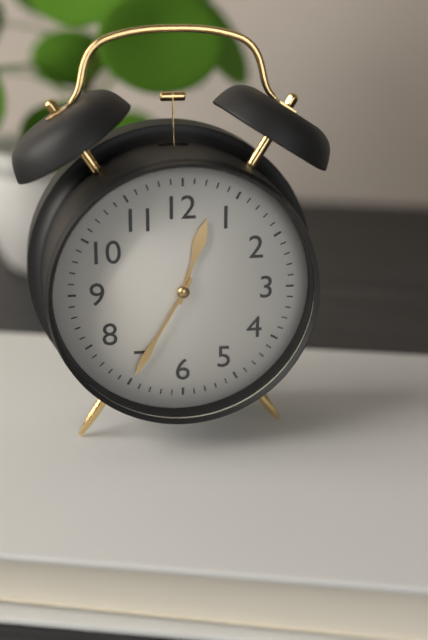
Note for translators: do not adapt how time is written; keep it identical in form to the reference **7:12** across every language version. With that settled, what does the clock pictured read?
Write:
**12:35**
